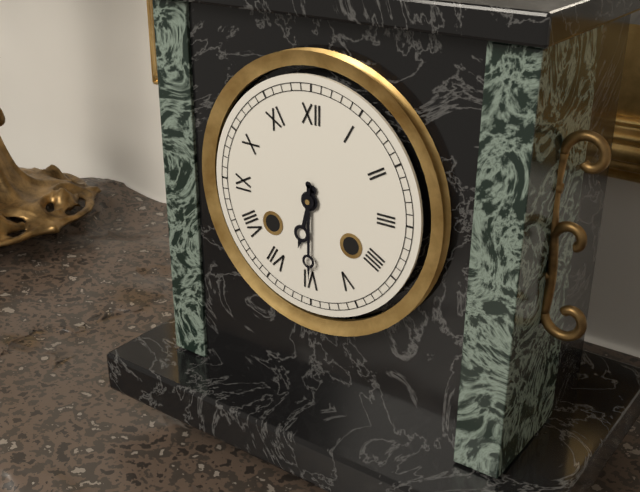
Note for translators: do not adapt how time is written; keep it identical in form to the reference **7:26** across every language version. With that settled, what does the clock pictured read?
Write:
**6:30**
